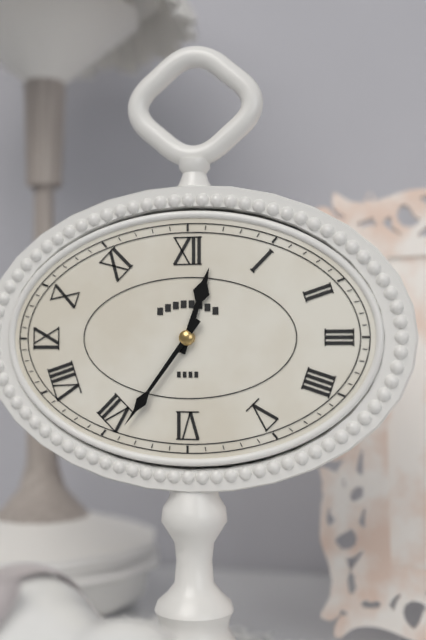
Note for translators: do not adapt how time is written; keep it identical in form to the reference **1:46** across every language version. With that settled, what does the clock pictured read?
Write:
**12:36**
